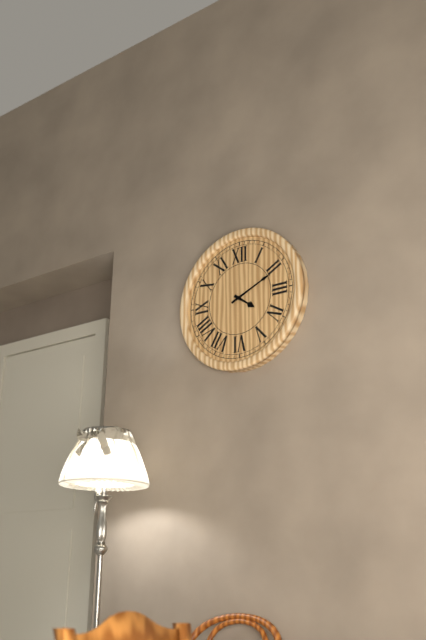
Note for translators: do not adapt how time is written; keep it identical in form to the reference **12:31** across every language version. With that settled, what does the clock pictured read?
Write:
**4:11**
